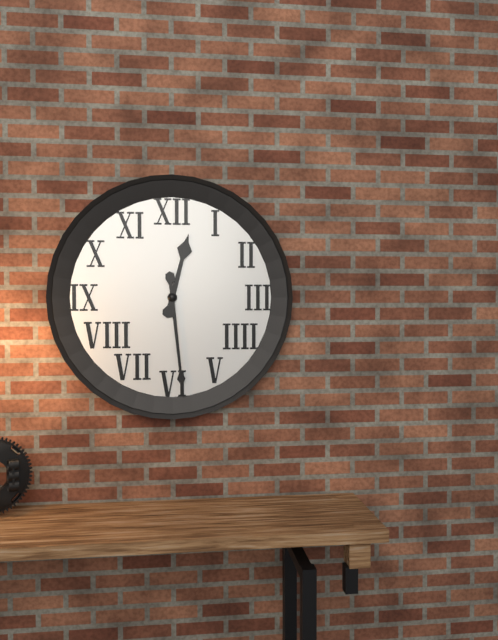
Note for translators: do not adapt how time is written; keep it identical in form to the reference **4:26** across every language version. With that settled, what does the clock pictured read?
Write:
**12:29**
